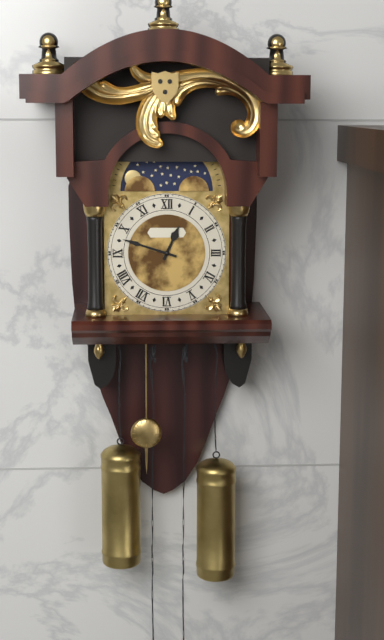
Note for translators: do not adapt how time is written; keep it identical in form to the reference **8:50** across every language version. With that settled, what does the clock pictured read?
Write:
**12:48**
